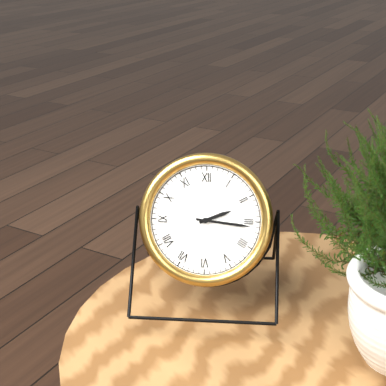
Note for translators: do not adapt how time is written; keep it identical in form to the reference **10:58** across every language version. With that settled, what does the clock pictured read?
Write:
**2:16**
